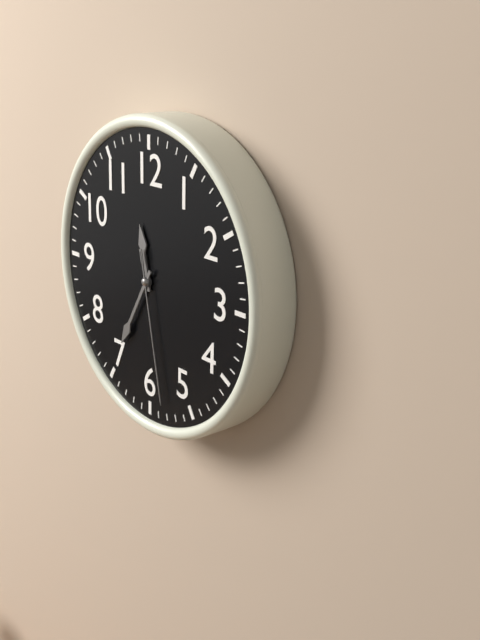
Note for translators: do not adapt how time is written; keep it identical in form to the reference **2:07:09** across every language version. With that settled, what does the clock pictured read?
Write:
**11:35:28**
